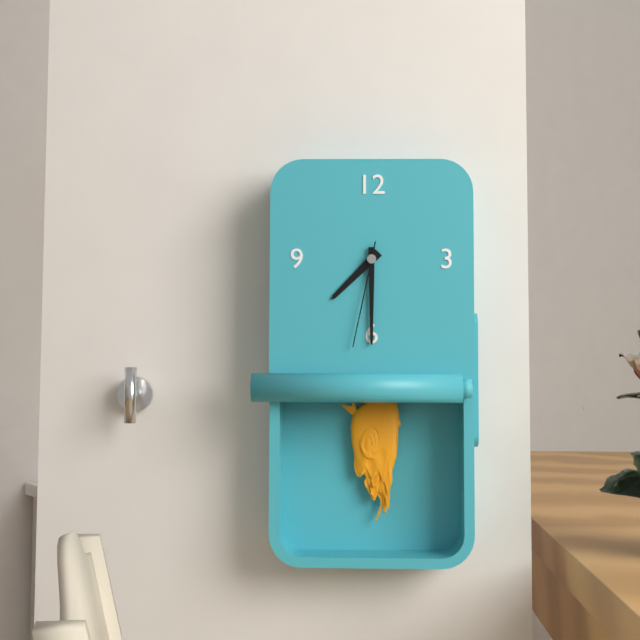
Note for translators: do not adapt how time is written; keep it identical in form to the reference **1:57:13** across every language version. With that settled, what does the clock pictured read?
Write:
**7:30:32**
